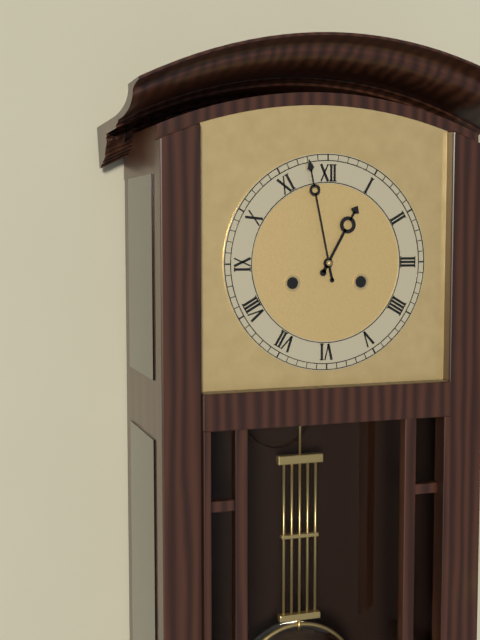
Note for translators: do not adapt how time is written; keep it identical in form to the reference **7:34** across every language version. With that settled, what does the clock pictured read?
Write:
**12:58**
